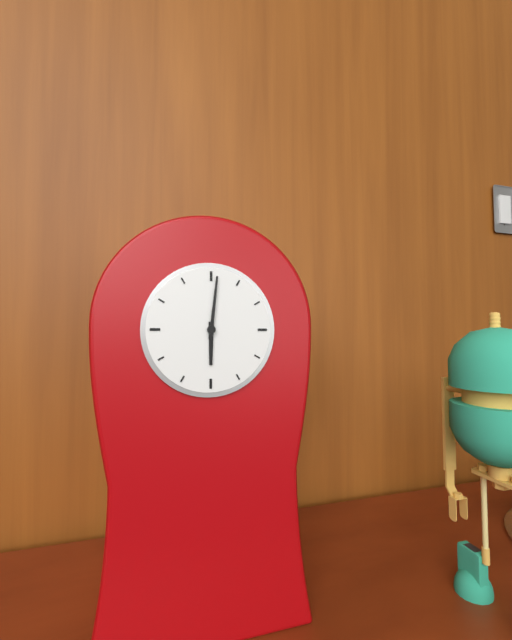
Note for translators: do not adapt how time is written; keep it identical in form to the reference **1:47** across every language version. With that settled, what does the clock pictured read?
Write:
**6:01**
